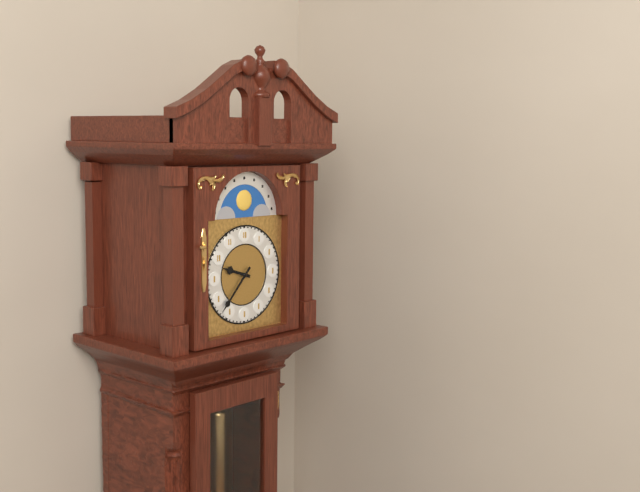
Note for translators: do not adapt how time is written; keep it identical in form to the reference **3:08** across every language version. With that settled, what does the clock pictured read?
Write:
**9:37**
